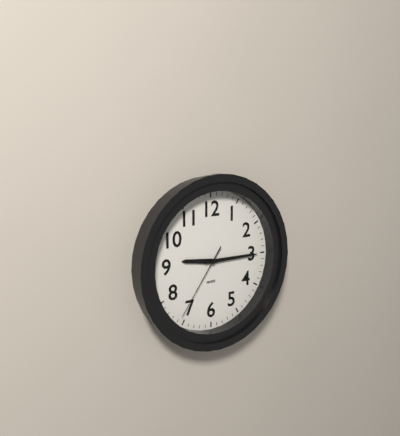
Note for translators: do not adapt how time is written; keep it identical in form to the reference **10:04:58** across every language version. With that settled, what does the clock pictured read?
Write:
**9:15:36**
